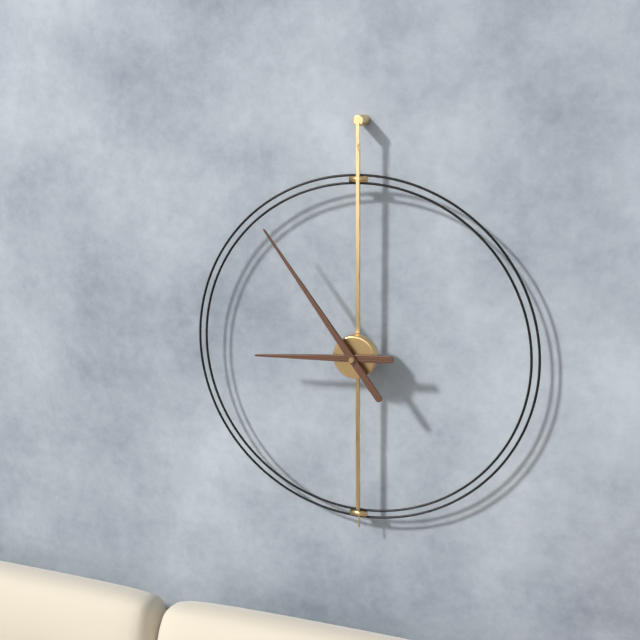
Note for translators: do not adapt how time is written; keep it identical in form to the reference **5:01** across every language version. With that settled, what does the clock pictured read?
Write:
**8:54**
